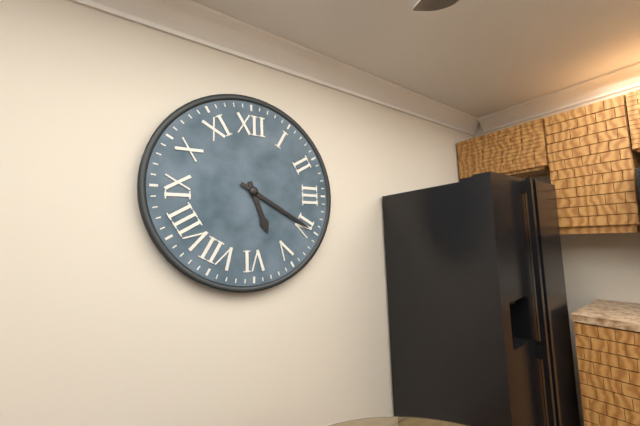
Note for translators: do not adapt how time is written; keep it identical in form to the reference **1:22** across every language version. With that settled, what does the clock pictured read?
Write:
**5:20**
